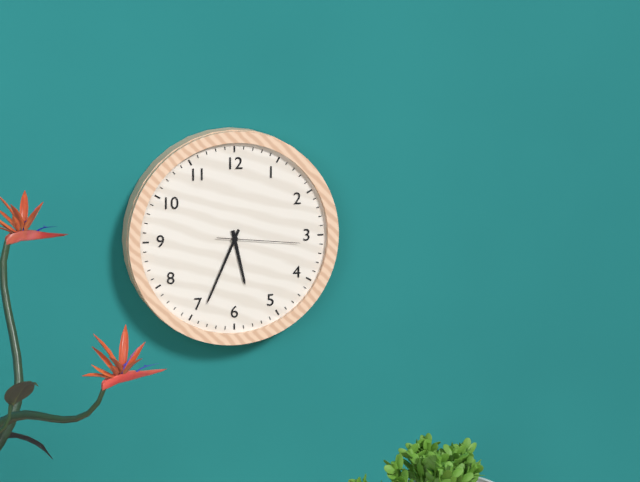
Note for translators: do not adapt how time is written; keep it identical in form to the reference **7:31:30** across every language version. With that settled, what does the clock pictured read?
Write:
**5:34:16**
